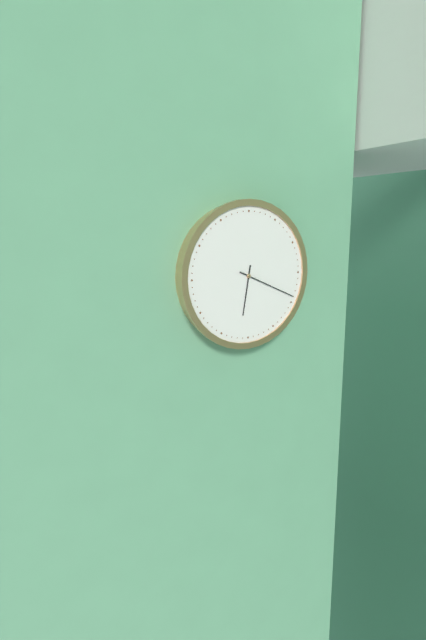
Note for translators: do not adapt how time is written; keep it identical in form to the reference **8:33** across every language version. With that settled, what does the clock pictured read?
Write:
**6:19**
